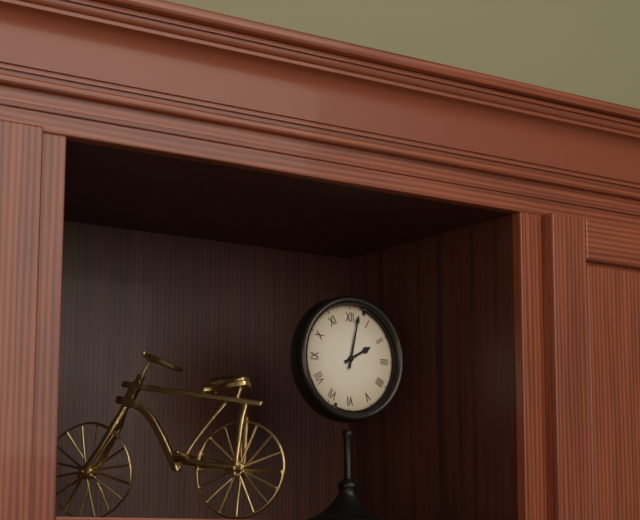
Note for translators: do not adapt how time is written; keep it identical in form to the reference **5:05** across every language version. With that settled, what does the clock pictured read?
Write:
**2:02**
